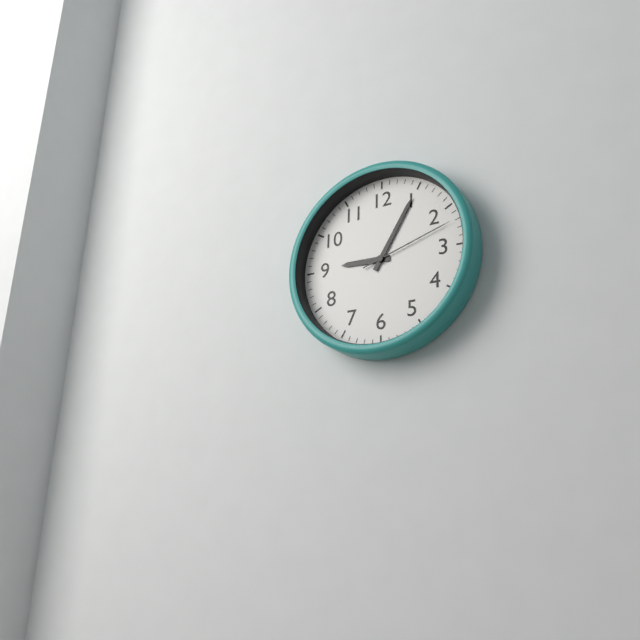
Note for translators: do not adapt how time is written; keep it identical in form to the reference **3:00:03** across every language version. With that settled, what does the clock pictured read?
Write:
**9:05:12**
